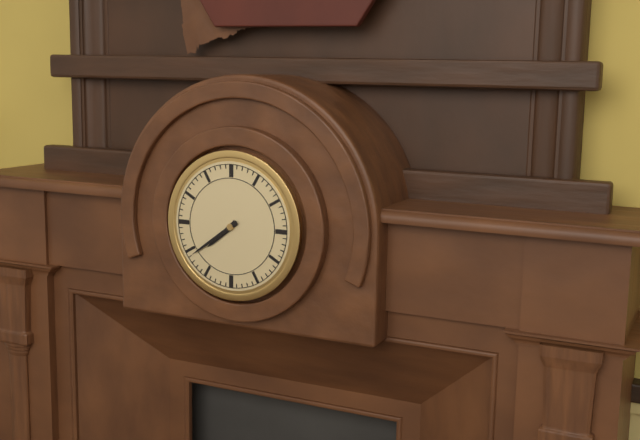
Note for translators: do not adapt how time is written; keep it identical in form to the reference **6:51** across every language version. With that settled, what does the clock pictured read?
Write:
**7:39**
